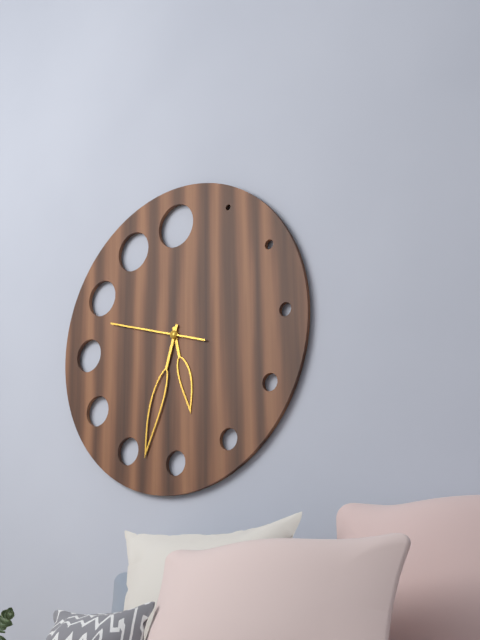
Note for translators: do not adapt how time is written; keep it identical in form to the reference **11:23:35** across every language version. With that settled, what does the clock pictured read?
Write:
**5:33:48**
